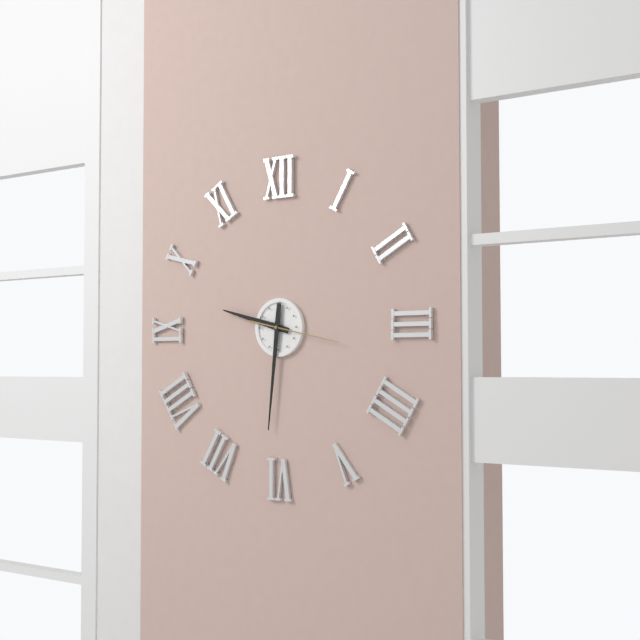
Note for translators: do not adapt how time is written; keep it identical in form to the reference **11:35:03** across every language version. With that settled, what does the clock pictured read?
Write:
**9:31:17**
